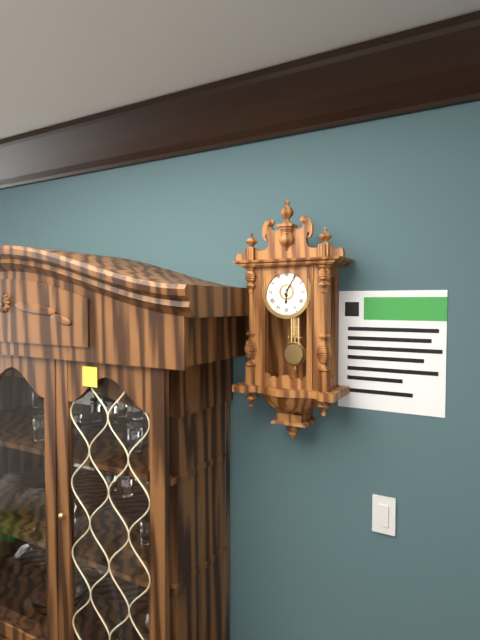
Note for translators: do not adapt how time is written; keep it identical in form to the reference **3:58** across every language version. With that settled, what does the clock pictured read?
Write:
**6:05**
